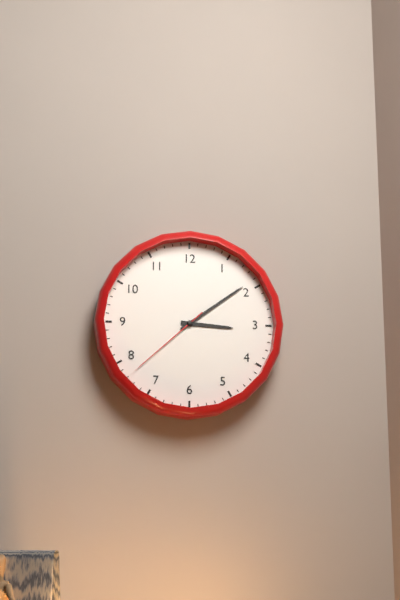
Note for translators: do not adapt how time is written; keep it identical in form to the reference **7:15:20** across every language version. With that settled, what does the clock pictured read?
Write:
**3:09:38**
